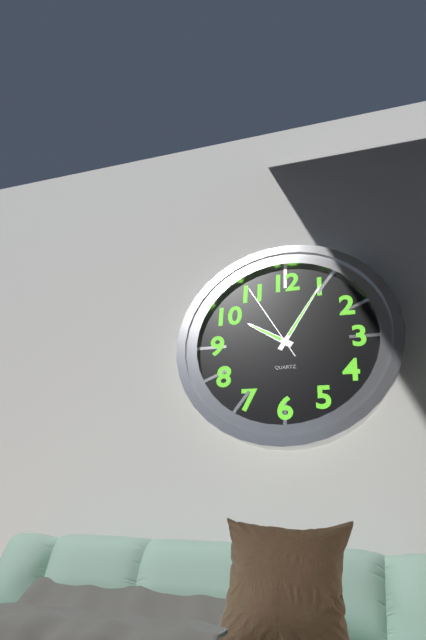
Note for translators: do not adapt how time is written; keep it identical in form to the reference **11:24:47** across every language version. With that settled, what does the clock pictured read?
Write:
**10:05:55**
